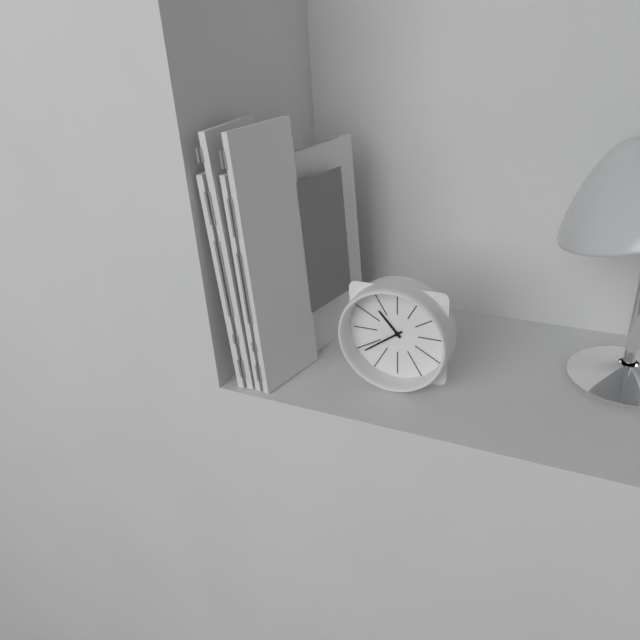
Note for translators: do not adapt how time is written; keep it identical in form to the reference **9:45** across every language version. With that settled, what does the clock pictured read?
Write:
**10:39**
